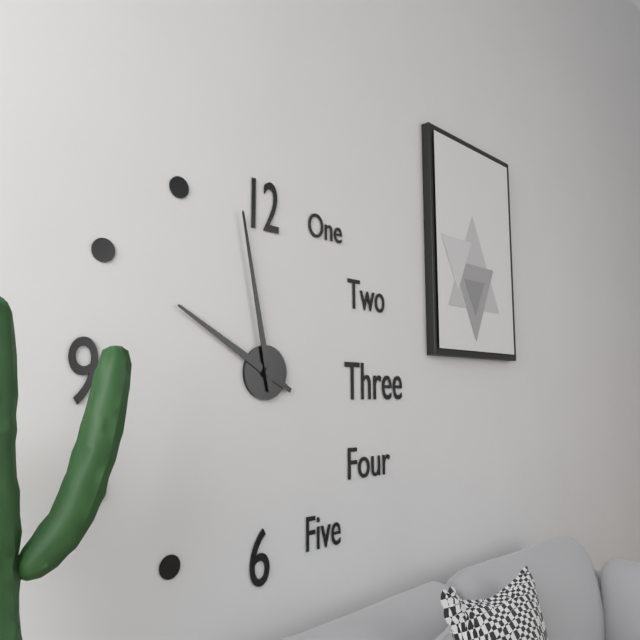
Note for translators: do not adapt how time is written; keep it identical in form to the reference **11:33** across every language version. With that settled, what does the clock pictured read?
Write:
**9:58**
